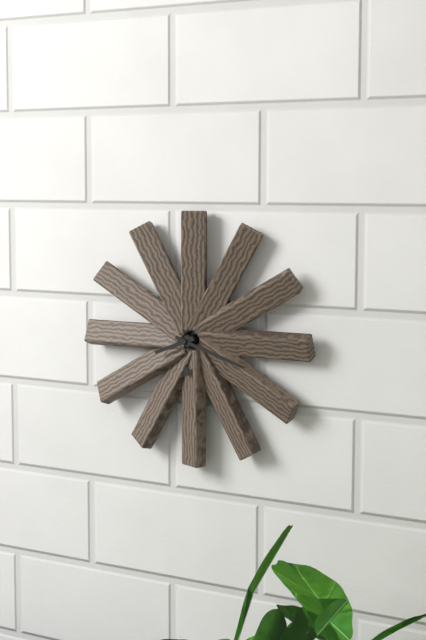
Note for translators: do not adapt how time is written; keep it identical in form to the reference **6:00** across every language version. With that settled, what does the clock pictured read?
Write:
**8:18**
